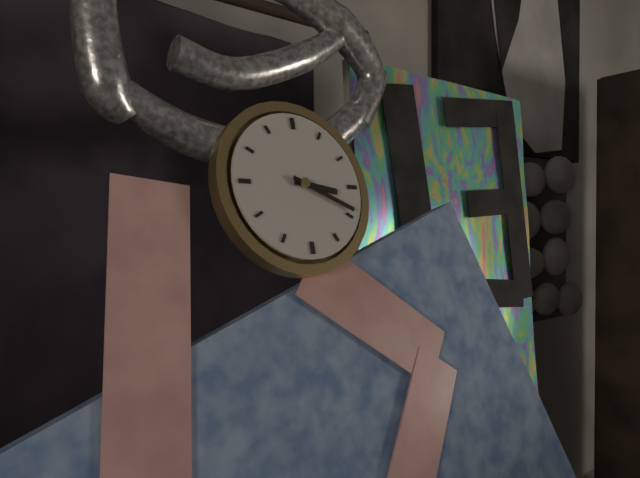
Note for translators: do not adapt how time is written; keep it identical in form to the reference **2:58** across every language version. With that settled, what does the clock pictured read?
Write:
**3:19**
